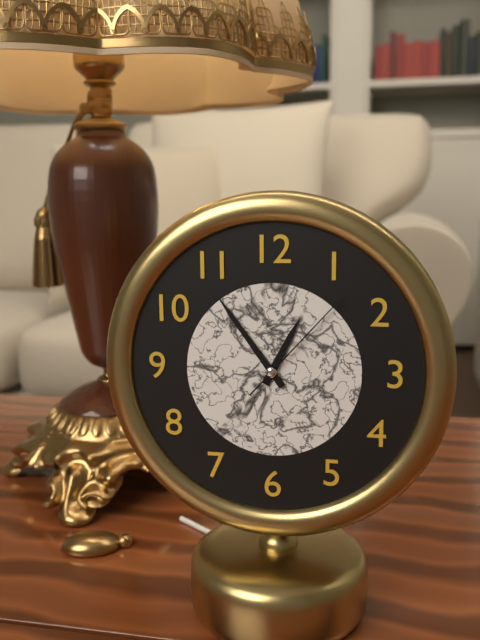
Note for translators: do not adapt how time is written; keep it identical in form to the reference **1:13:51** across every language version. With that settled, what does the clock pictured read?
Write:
**12:54:07**
